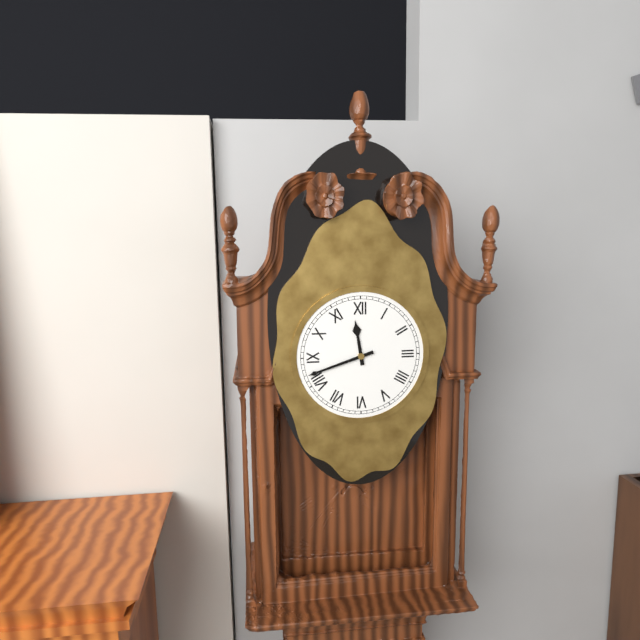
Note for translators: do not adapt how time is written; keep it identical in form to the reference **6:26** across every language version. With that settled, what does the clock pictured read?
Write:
**11:42**
